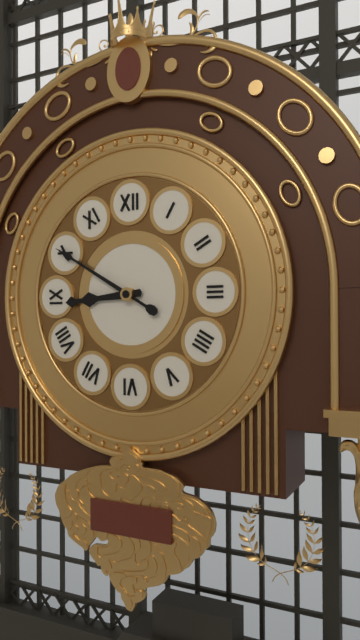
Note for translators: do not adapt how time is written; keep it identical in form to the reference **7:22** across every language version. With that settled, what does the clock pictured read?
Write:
**8:50**
